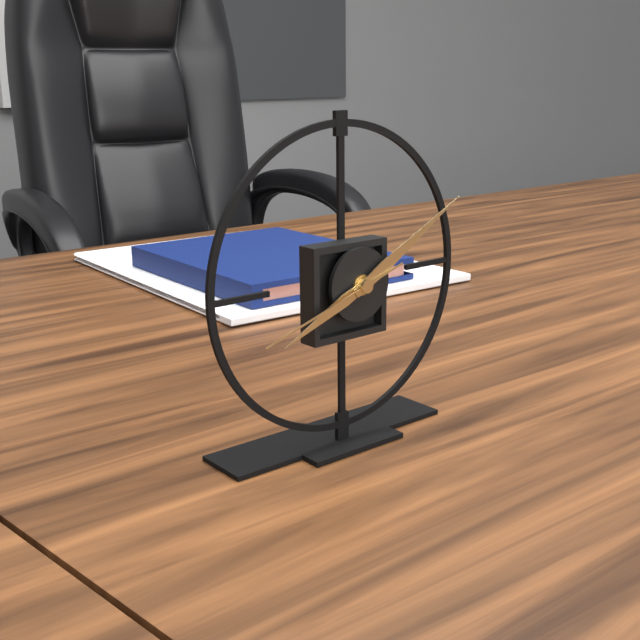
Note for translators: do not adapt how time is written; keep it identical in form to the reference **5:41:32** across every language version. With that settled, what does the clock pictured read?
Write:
**8:10:42**
